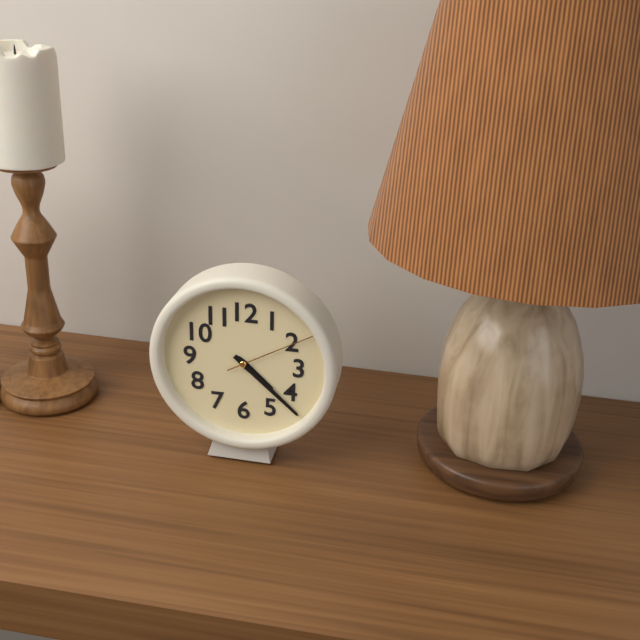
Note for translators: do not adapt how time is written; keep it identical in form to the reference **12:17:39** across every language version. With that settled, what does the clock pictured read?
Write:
**4:22:10**
